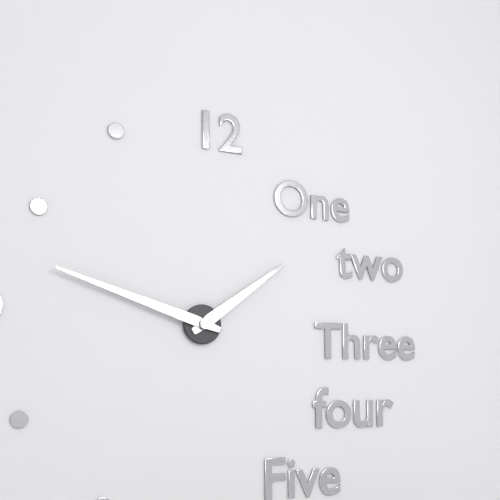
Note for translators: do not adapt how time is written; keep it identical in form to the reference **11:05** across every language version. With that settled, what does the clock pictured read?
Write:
**1:48**
